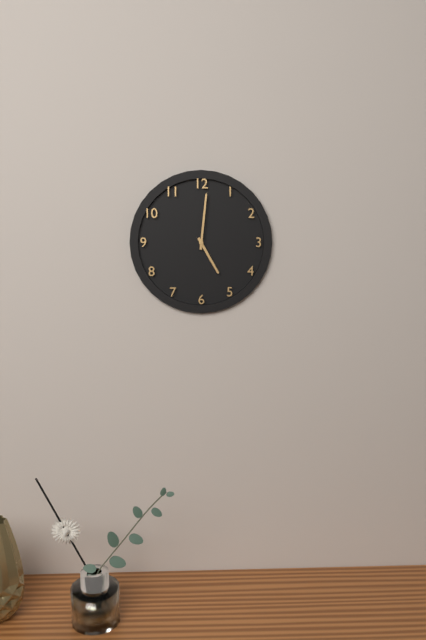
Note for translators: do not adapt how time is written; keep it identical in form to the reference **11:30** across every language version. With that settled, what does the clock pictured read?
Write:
**5:01**
